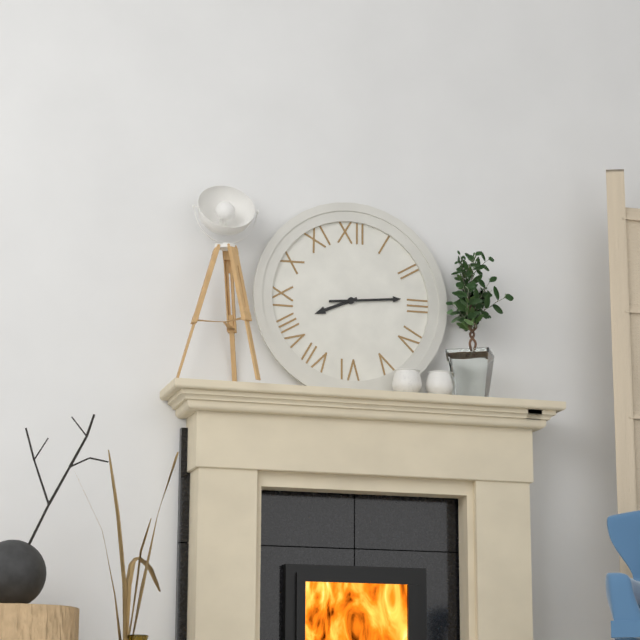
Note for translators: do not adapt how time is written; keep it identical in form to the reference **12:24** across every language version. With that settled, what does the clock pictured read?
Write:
**8:14**
